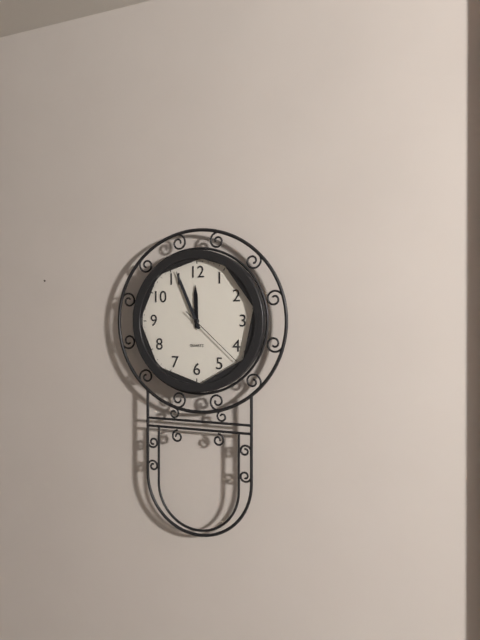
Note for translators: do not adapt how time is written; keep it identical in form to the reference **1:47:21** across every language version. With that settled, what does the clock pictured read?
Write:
**11:56:22**
